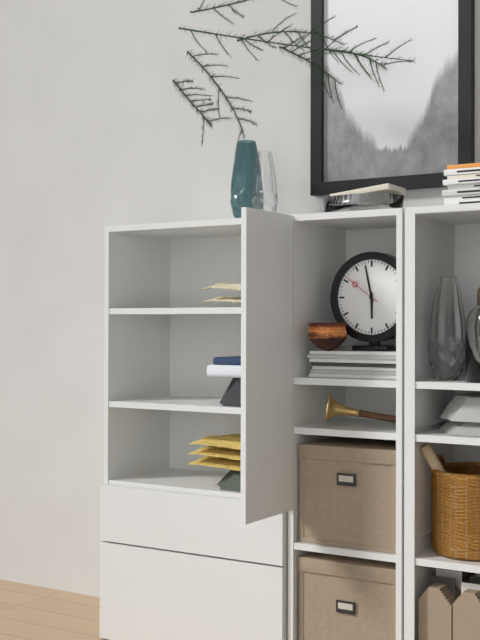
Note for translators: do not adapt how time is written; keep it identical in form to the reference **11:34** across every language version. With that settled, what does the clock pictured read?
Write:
**5:58**
